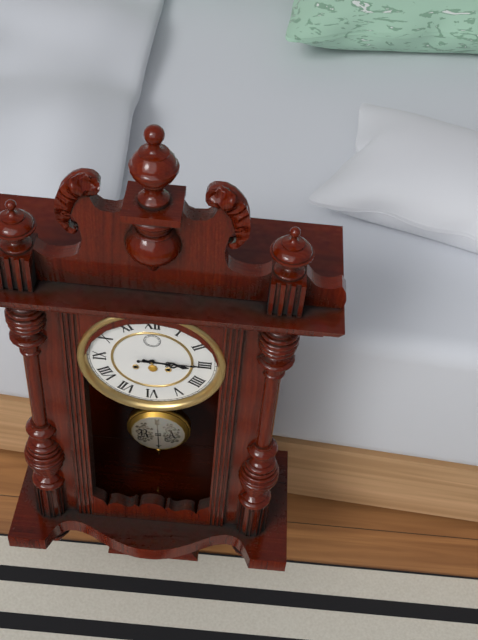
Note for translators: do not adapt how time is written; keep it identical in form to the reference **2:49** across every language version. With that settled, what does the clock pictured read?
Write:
**3:15**
